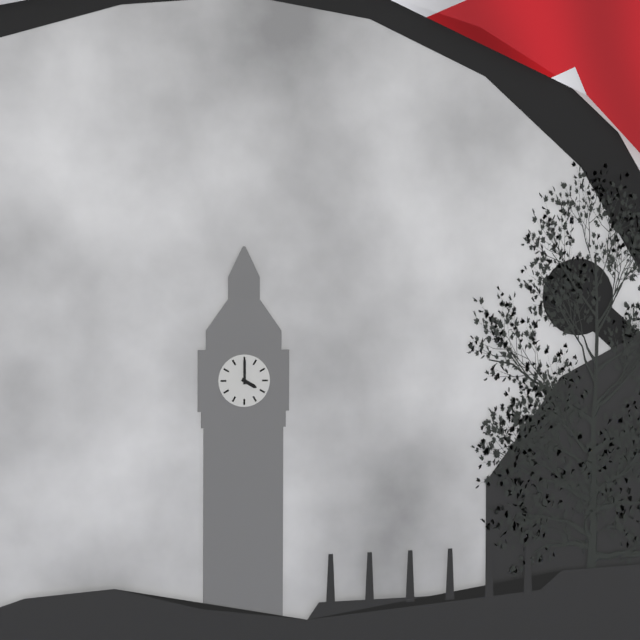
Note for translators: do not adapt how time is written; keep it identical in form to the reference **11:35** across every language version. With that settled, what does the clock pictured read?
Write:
**4:00**
